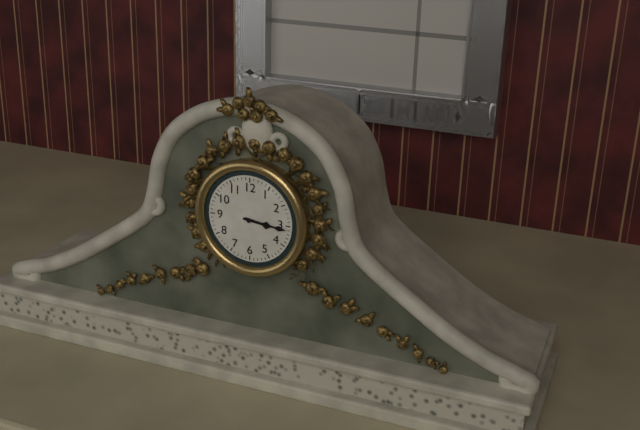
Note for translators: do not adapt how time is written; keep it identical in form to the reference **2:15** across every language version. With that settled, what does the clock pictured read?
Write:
**3:16**
